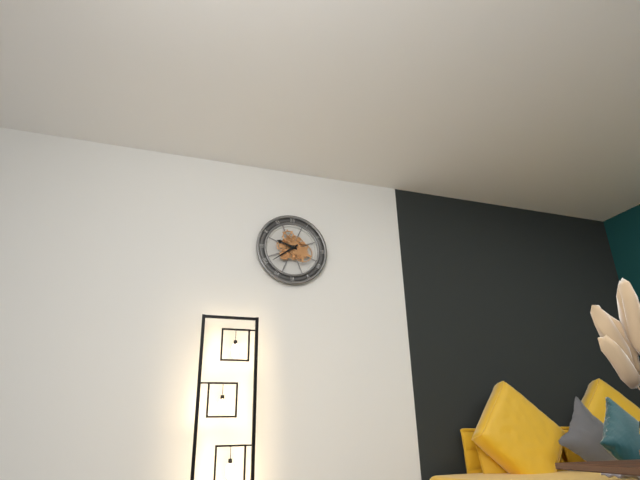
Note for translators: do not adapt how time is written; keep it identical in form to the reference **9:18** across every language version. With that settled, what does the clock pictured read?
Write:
**9:39**
